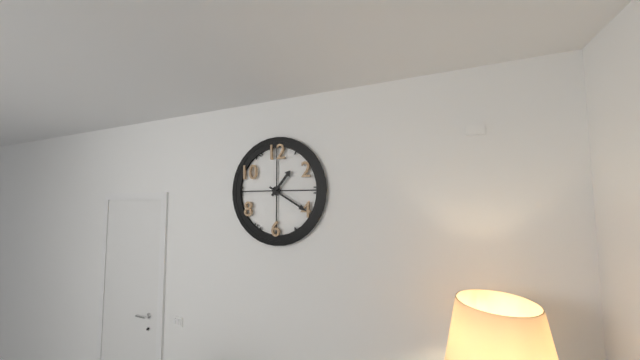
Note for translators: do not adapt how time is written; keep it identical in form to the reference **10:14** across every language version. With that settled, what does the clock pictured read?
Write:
**1:20**
